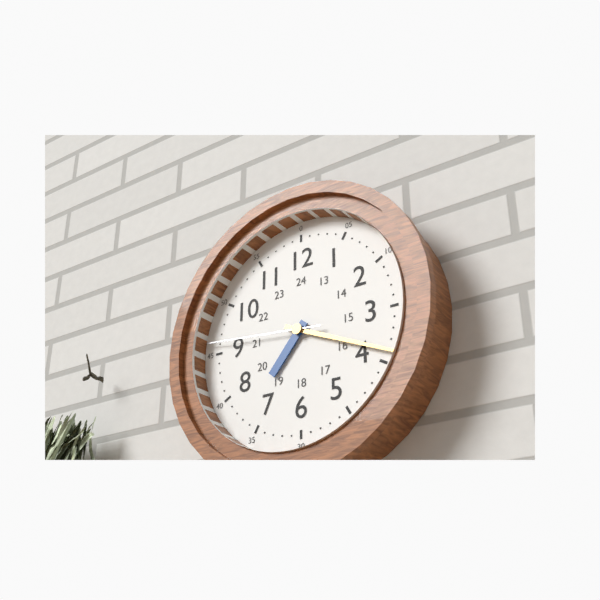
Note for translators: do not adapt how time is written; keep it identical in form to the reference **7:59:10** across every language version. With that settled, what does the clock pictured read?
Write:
**7:19:46**
